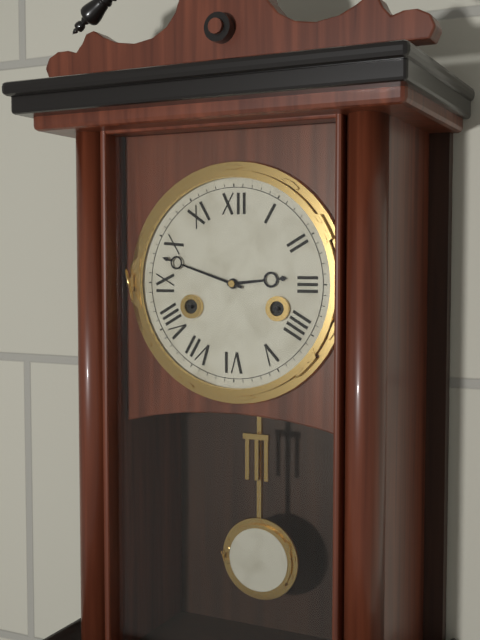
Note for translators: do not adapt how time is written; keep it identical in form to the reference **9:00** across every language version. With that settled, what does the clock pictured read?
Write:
**2:48**
